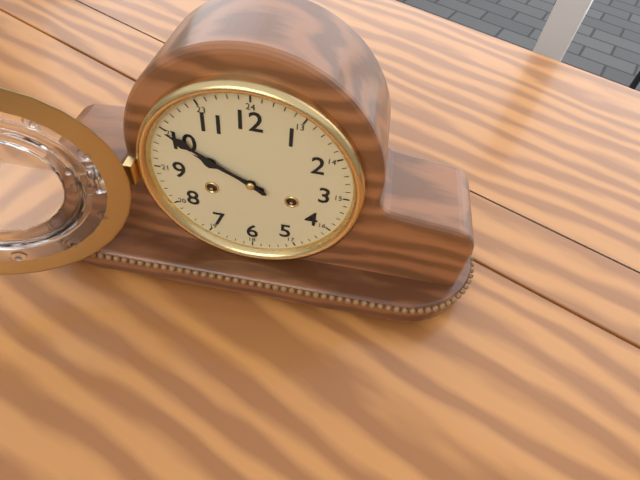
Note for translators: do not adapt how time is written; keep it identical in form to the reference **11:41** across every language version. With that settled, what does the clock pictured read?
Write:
**9:50**
